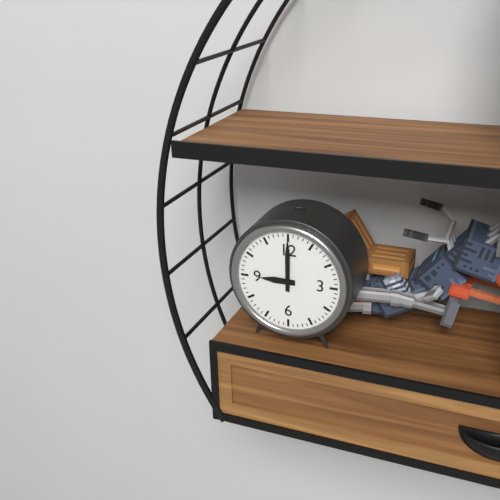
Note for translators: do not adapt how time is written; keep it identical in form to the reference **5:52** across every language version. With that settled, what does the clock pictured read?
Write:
**9:00**
